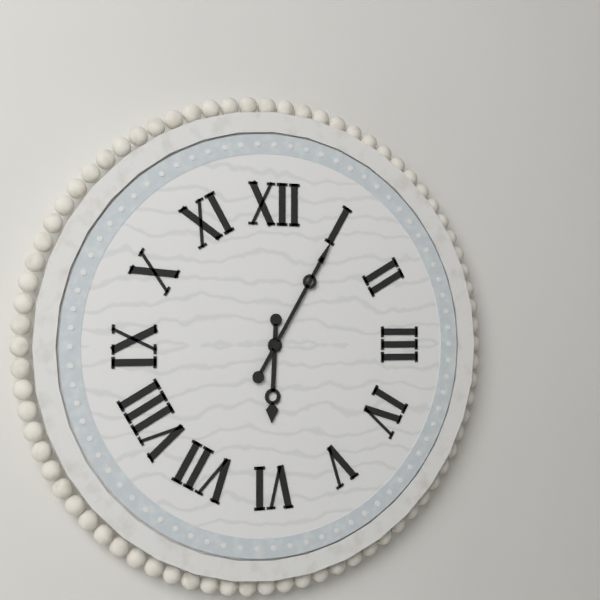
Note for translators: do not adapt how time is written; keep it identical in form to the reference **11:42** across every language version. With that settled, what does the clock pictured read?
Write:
**6:05**
